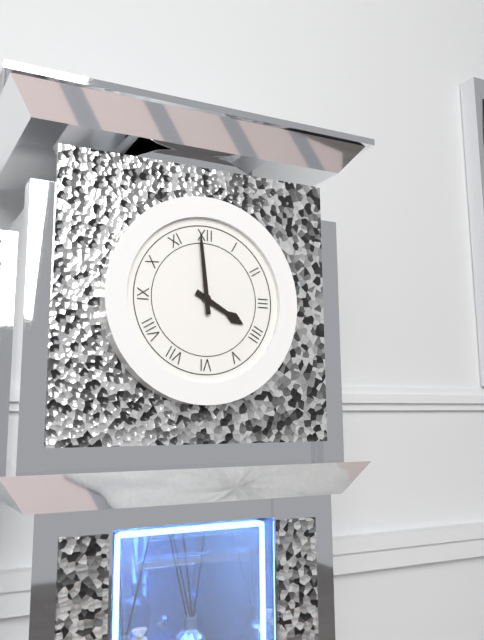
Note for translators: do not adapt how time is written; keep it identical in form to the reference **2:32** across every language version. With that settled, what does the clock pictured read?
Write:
**3:59**
